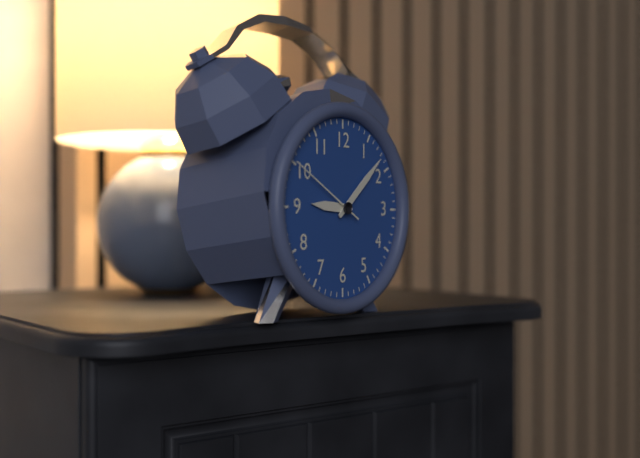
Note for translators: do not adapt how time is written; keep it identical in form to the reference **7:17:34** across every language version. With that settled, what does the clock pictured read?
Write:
**9:08:50**
